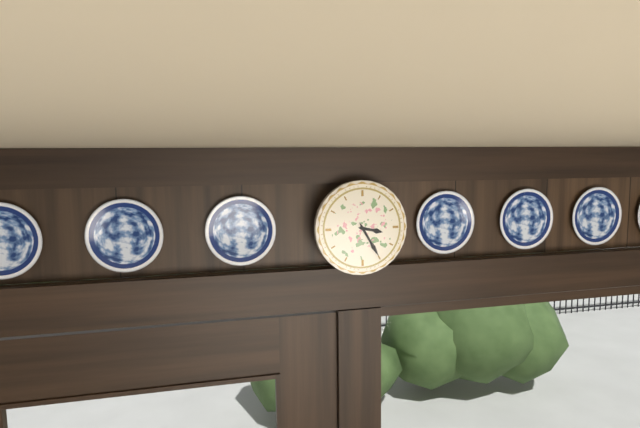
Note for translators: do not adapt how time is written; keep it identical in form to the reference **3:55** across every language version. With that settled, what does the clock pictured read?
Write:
**3:25**
